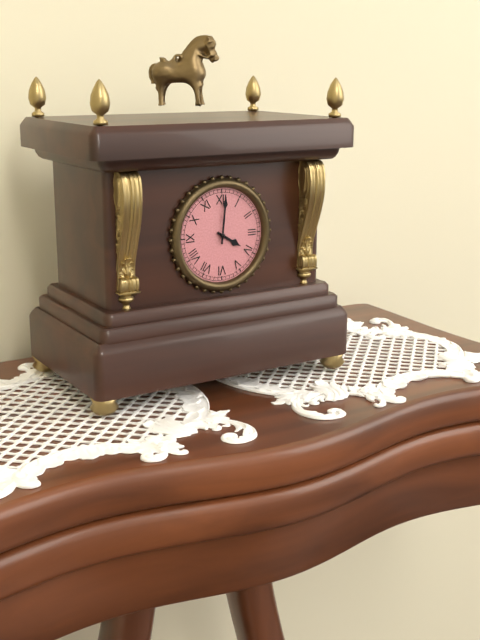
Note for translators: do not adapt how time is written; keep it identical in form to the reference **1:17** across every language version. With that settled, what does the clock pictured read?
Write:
**4:01**
